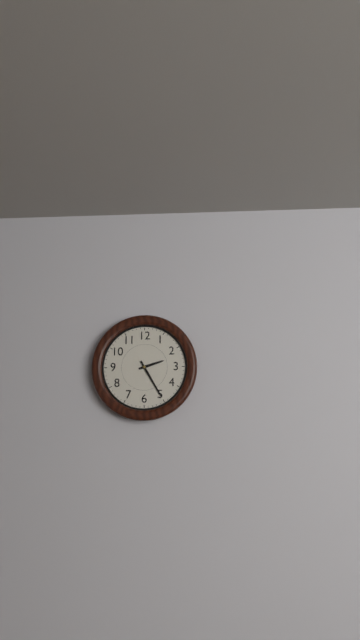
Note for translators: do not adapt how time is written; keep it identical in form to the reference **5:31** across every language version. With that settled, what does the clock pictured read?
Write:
**2:25**
